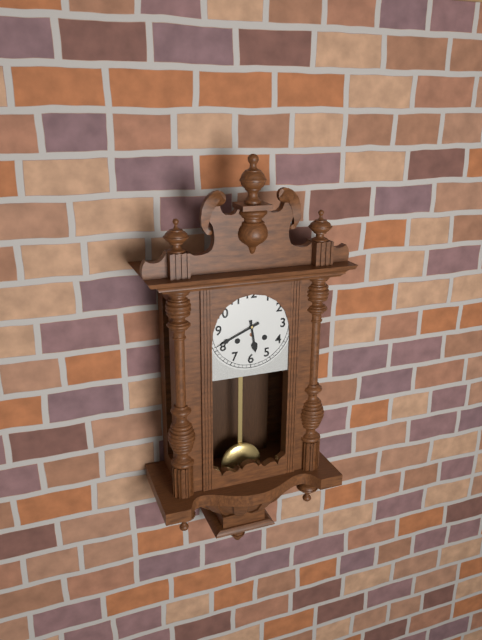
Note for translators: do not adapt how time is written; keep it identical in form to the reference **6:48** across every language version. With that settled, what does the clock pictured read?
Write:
**5:41**
